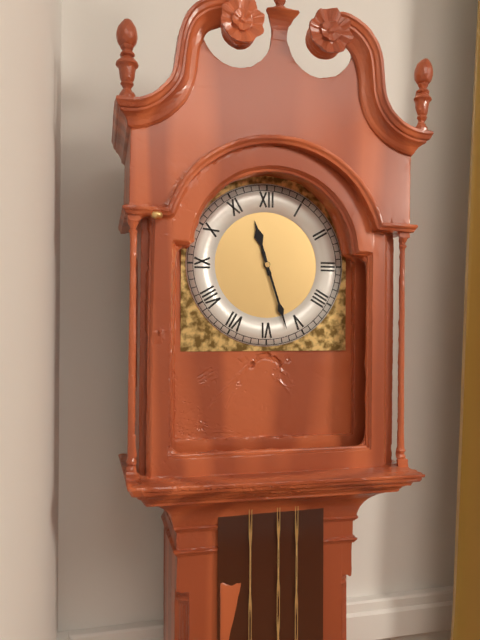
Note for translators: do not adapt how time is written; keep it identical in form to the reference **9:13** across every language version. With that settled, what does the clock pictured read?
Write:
**11:27**
